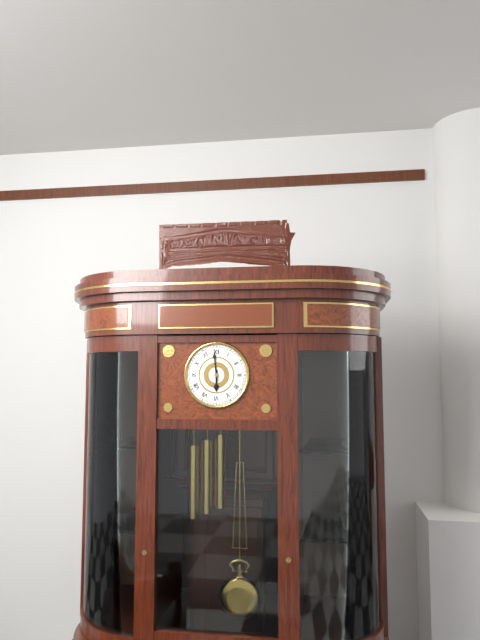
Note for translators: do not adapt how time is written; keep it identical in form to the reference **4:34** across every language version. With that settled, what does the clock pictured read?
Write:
**5:59**
